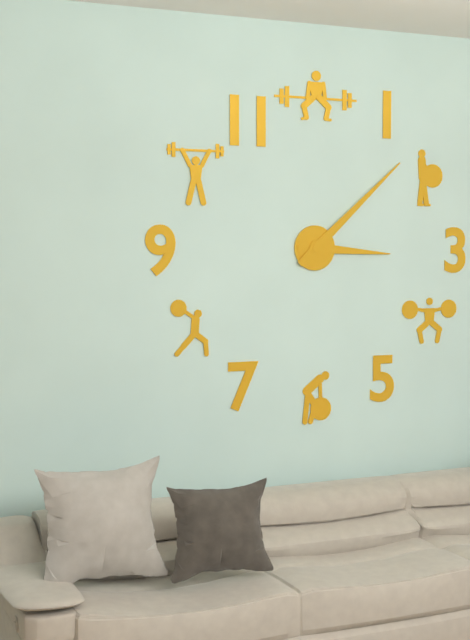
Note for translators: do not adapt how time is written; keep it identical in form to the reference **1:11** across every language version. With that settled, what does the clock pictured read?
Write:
**3:08**
